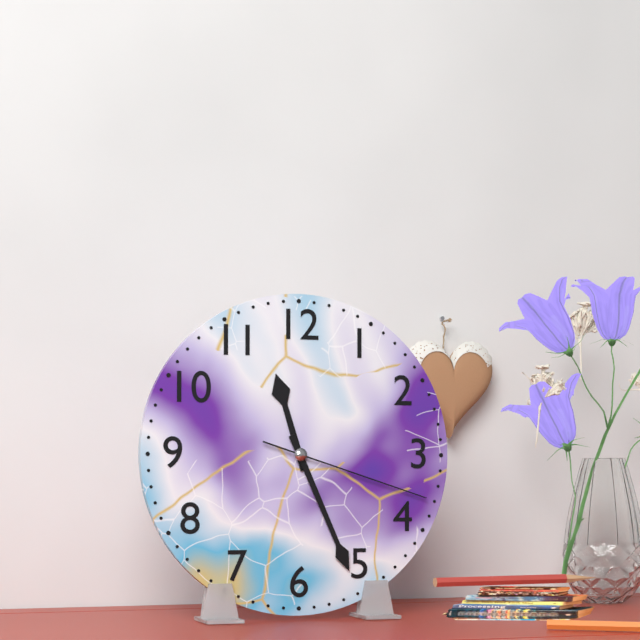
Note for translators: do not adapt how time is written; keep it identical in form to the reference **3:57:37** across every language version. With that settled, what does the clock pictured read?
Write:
**11:26:18**
